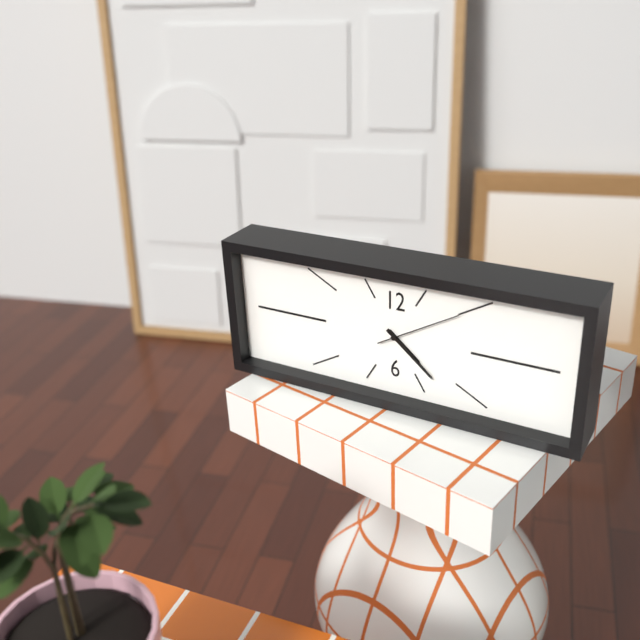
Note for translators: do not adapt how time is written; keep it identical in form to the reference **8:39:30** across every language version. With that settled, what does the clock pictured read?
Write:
**4:22:10**
